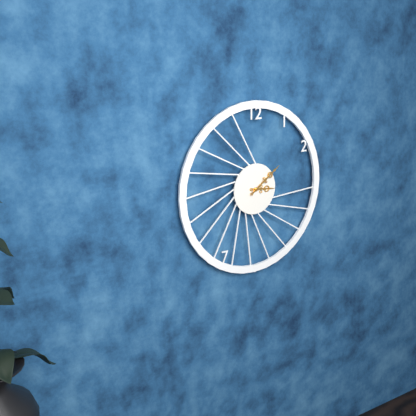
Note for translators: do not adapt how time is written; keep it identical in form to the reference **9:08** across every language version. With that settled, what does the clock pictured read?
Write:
**3:09**
